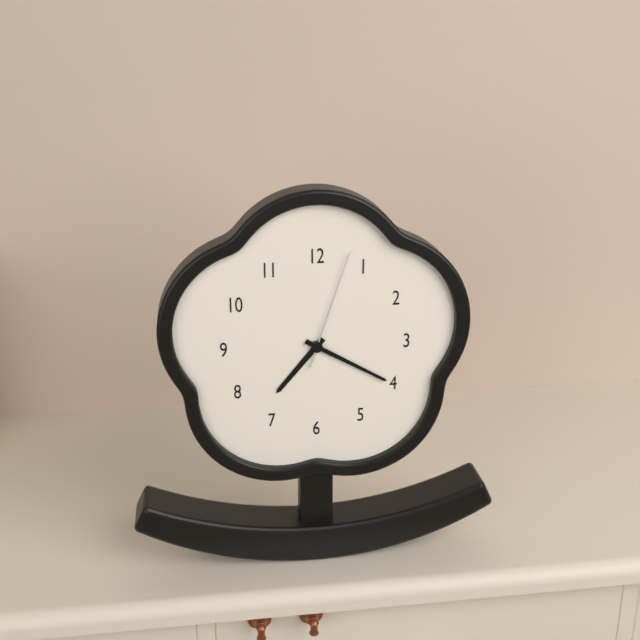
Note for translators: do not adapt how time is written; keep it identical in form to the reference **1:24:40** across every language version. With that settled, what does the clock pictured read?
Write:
**7:20:03**
